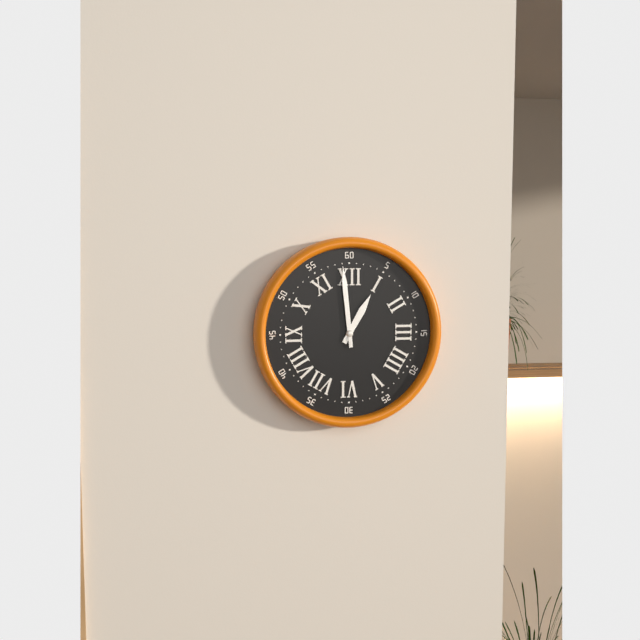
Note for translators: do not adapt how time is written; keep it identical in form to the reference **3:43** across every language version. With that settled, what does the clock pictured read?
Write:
**12:59**
